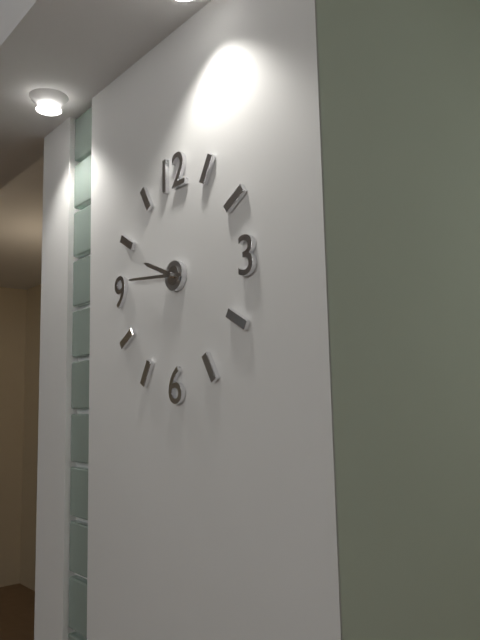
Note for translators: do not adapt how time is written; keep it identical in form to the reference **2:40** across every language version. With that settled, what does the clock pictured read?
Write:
**9:46**
